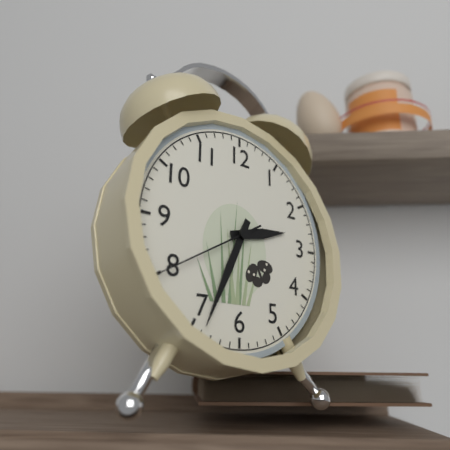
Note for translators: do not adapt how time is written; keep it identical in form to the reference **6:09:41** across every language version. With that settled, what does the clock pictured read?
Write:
**2:34:40**
